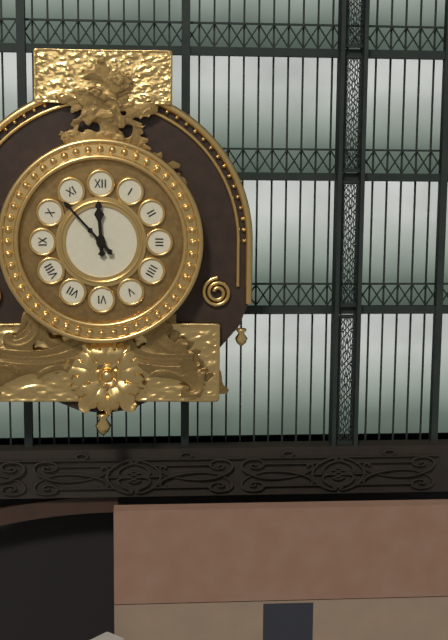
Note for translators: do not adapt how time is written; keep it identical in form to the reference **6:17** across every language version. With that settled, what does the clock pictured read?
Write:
**11:53**
